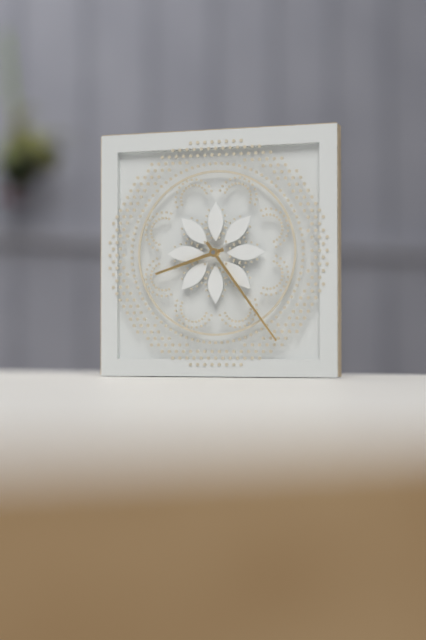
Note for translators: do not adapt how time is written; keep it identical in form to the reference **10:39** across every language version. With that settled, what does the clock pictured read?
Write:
**8:24**
